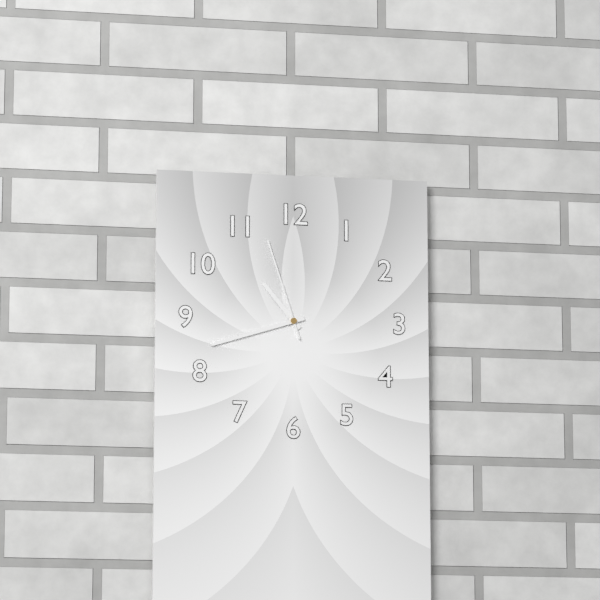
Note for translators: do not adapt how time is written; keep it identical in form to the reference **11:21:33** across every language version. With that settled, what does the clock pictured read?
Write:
**10:42:57**
